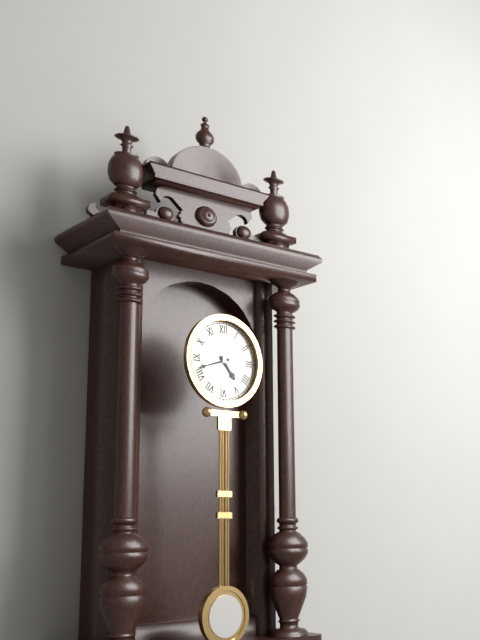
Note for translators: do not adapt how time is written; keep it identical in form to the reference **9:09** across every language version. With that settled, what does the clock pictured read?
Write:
**4:42**
